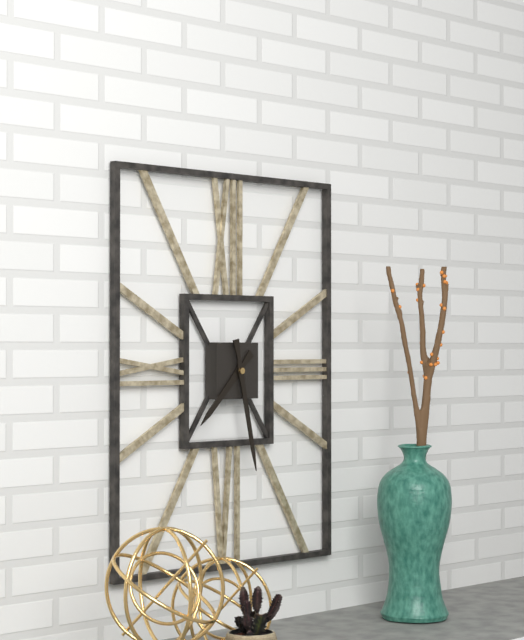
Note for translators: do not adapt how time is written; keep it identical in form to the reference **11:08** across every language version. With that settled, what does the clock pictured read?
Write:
**7:28**
